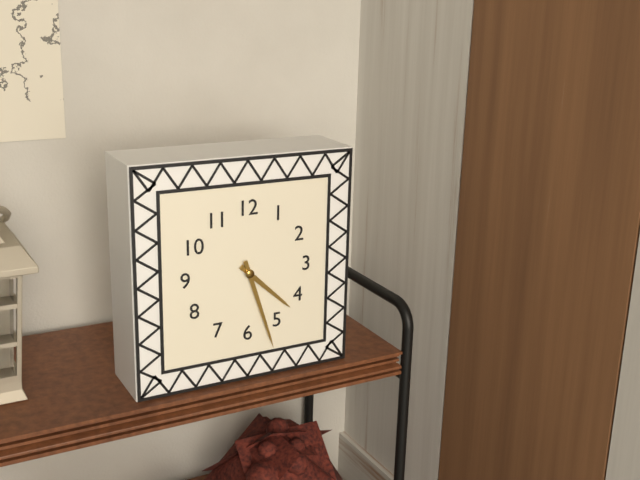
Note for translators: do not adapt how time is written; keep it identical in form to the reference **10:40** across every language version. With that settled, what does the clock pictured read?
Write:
**4:27**
